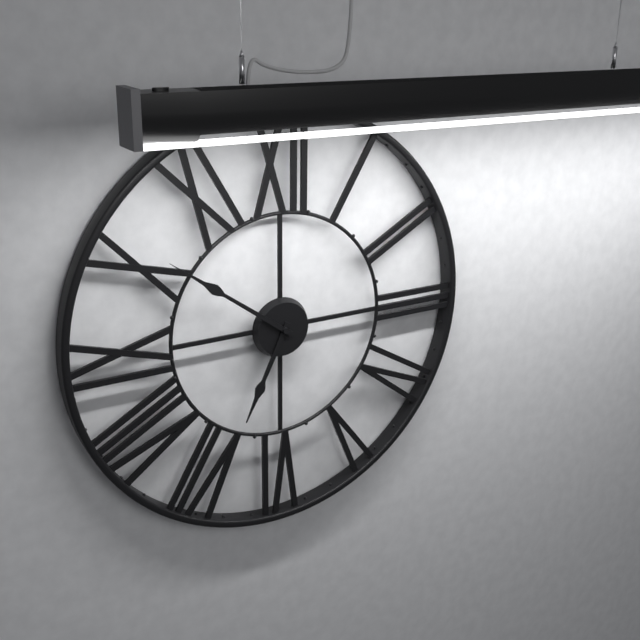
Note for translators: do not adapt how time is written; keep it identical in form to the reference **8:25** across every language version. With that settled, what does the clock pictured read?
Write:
**6:51**
